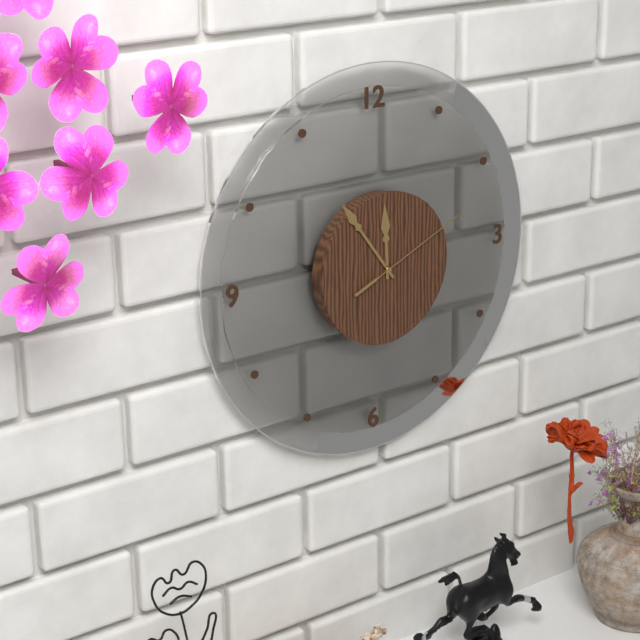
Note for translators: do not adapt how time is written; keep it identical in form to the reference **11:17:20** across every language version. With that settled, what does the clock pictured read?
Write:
**11:54:11**
